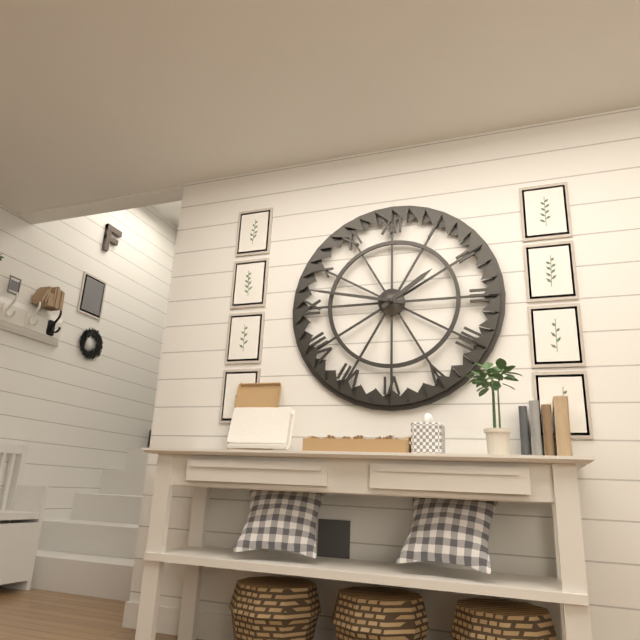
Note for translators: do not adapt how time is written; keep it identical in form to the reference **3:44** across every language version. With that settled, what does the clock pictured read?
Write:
**1:47**
